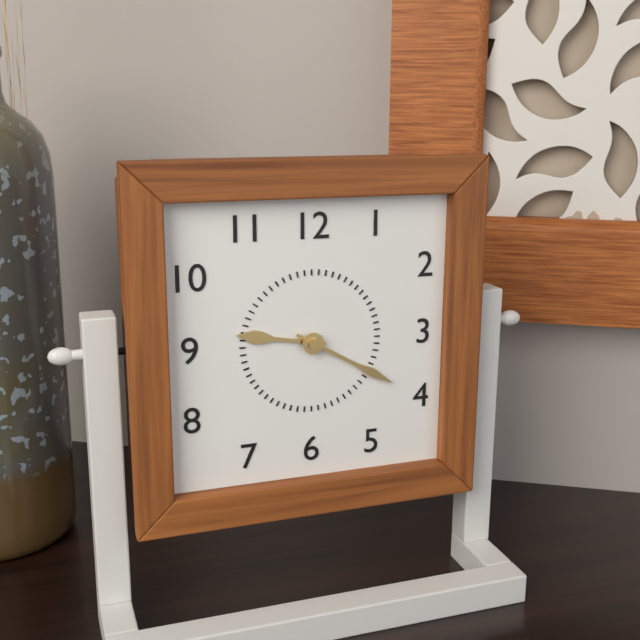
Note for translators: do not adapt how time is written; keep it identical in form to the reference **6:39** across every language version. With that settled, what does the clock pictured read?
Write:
**9:20**
